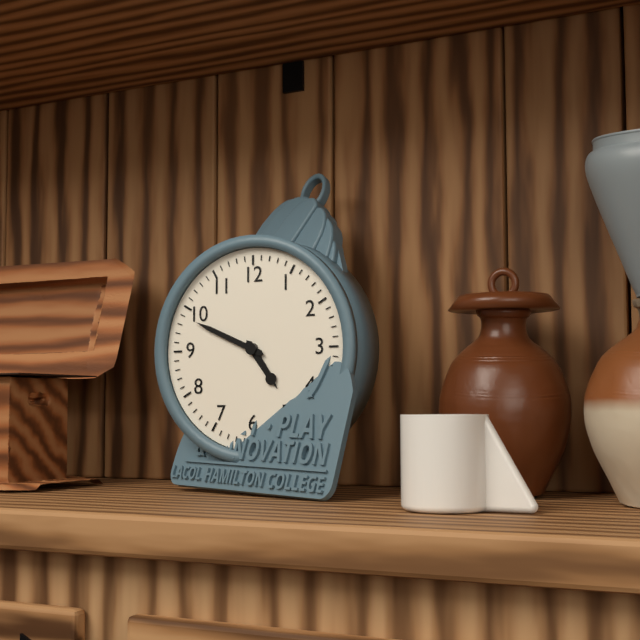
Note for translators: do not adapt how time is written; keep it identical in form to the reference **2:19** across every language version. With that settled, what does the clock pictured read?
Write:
**4:49**
